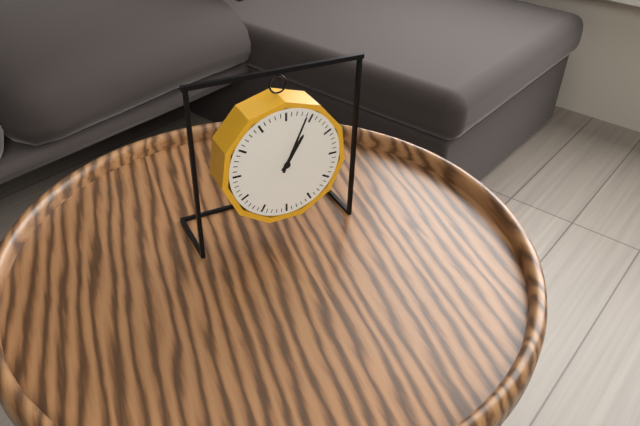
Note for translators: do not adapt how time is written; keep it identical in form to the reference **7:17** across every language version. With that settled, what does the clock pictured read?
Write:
**1:04**
